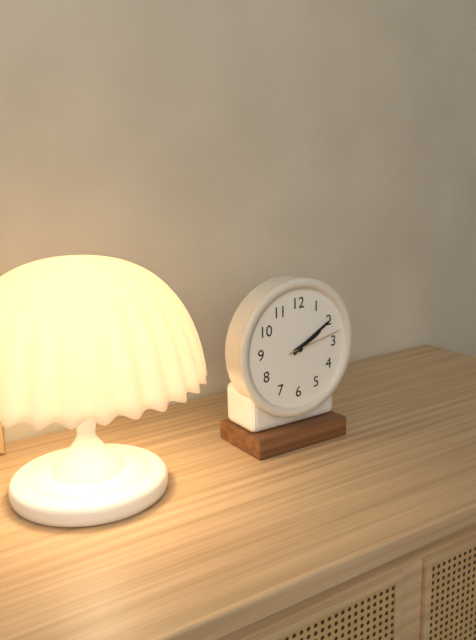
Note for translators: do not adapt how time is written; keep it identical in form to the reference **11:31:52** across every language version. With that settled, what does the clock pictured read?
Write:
**2:10:13**
